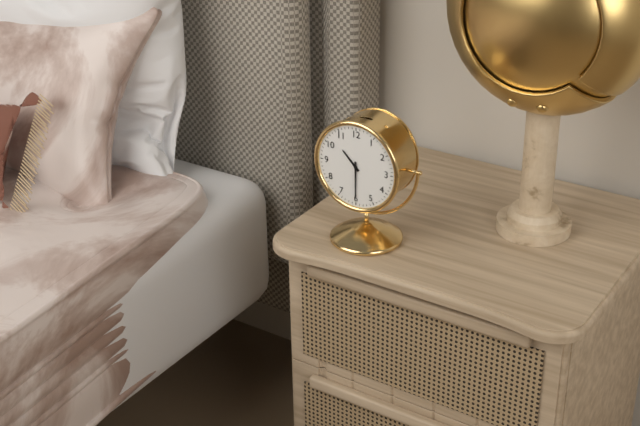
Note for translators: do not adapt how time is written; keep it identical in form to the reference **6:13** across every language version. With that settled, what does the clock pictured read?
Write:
**10:30**
